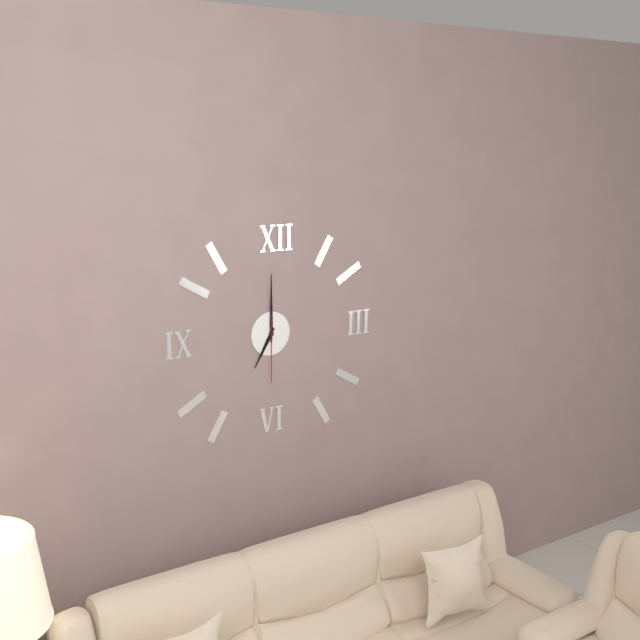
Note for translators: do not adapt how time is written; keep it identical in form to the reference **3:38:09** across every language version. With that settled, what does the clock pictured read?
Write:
**7:00:30**
